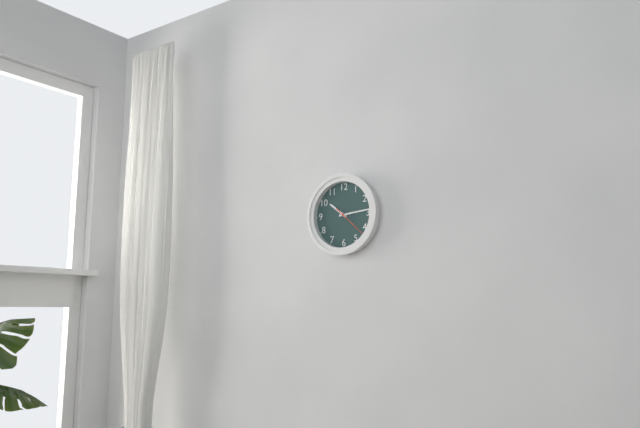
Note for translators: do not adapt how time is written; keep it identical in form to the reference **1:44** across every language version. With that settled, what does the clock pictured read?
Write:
**10:14**
